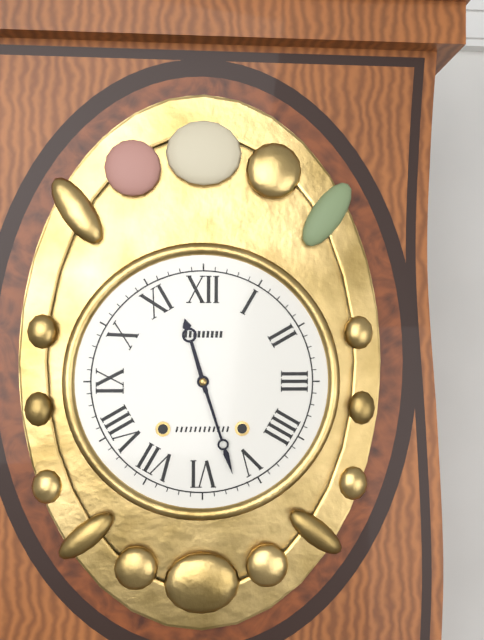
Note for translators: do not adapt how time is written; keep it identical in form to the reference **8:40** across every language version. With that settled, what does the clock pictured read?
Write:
**11:27**
